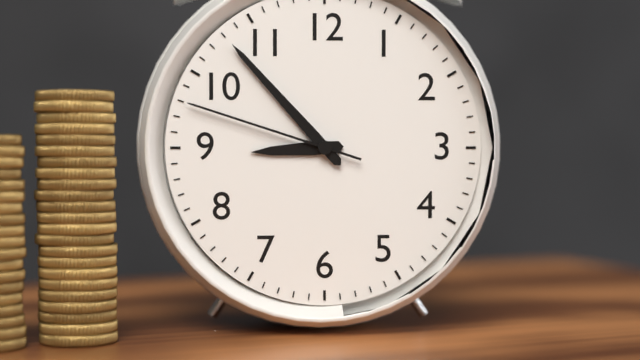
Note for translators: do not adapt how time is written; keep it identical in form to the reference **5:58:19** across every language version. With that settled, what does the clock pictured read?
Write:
**8:53:48**
